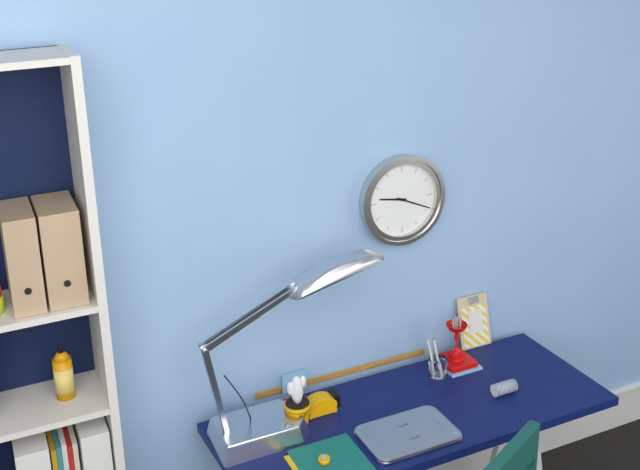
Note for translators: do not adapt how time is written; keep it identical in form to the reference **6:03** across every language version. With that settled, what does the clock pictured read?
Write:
**9:19**
